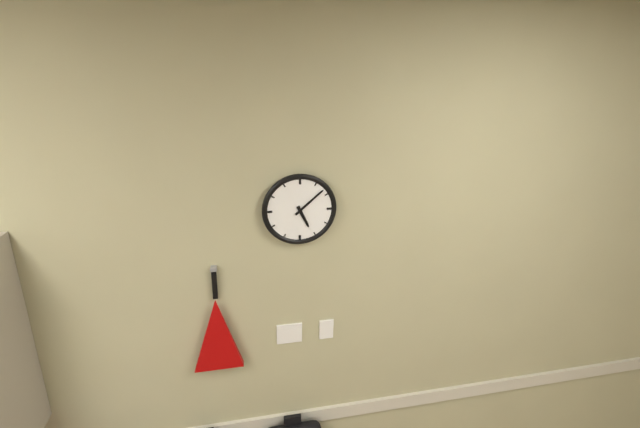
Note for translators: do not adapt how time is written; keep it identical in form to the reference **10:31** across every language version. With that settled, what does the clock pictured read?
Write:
**5:08**
